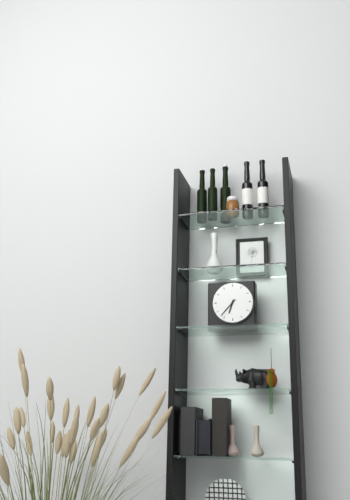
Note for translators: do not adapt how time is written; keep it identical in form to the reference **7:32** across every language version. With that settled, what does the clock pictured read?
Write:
**6:37**
